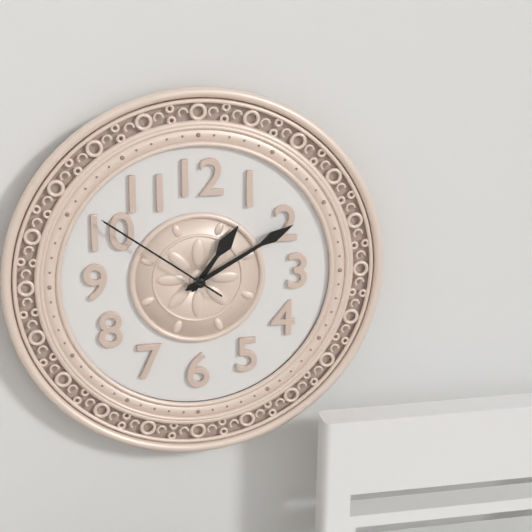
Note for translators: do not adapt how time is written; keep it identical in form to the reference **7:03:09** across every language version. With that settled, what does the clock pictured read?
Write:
**1:10:51**
